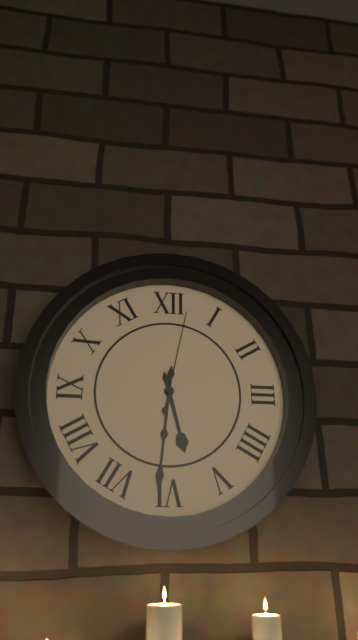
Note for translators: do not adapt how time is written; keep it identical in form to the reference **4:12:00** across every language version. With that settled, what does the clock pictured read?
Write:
**5:31:02**
